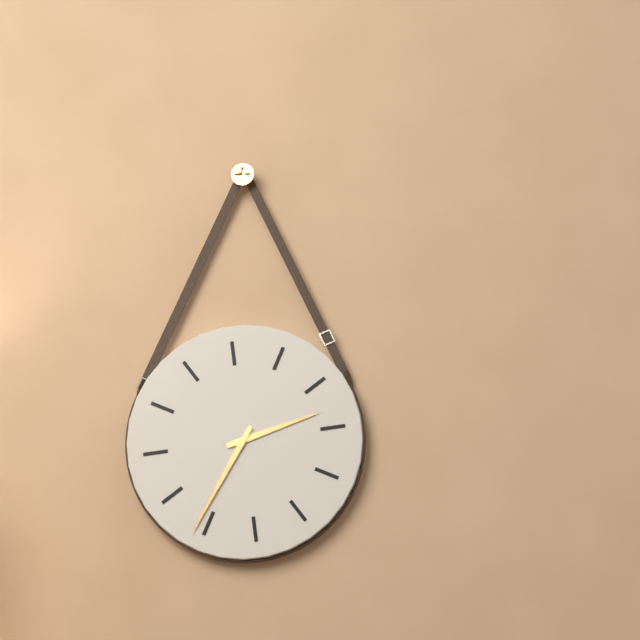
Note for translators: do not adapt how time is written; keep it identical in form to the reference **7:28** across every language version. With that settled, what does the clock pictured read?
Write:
**2:36**
